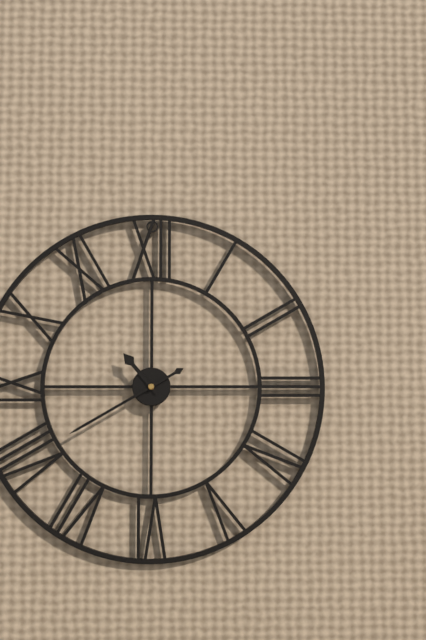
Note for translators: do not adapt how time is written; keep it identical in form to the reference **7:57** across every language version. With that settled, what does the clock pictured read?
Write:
**10:40**
